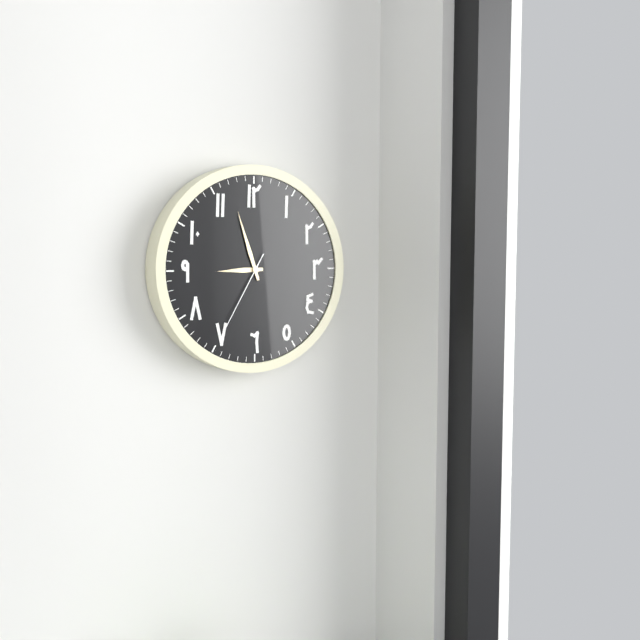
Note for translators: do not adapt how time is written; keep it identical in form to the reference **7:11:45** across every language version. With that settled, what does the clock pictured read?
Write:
**8:57:35**
